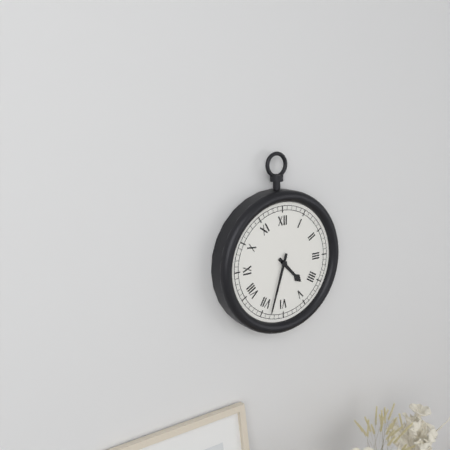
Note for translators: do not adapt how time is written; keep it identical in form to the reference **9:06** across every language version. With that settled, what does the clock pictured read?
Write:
**4:33**
